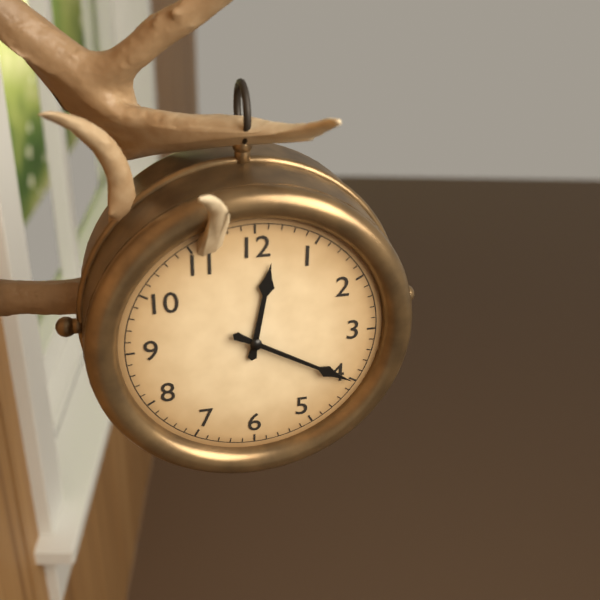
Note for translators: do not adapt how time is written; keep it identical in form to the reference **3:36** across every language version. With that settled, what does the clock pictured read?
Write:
**12:20**
